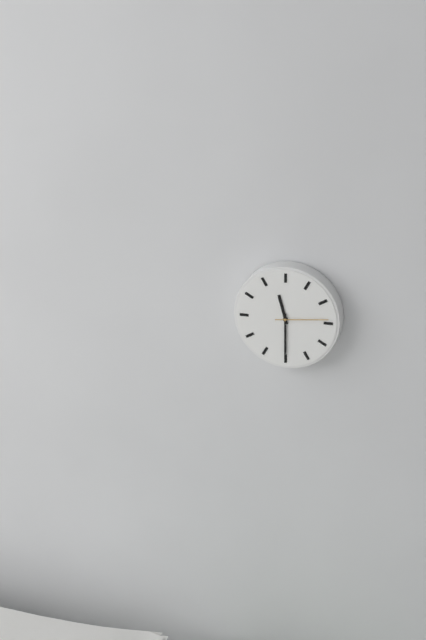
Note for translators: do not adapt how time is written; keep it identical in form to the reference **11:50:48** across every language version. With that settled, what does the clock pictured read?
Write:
**11:30:14**
